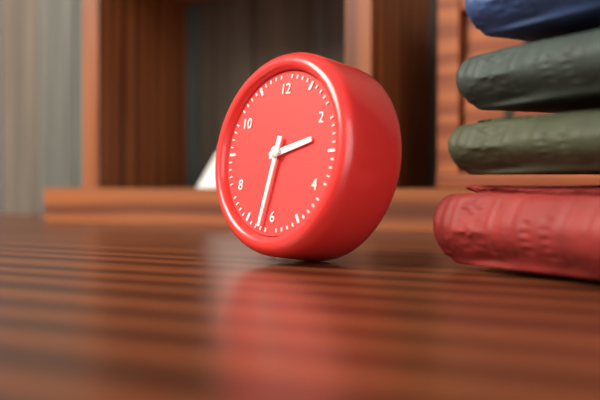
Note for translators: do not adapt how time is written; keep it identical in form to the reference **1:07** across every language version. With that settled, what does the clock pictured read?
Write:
**2:32**
